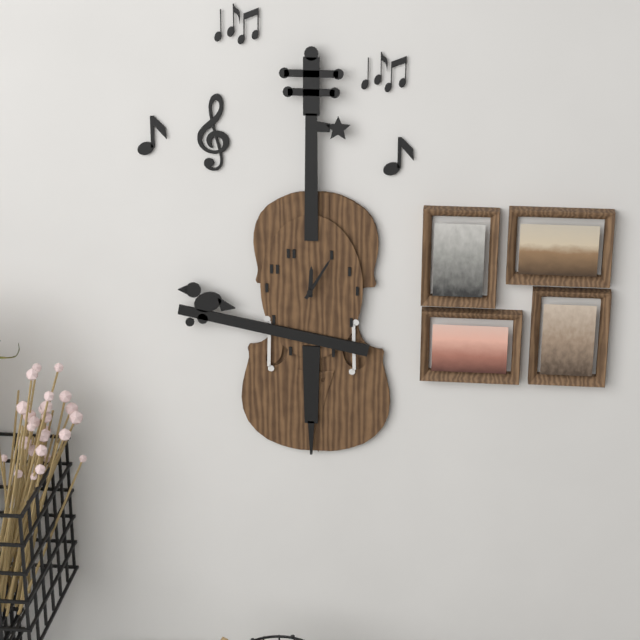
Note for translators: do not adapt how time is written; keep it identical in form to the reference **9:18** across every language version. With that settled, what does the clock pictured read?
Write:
**12:05**
